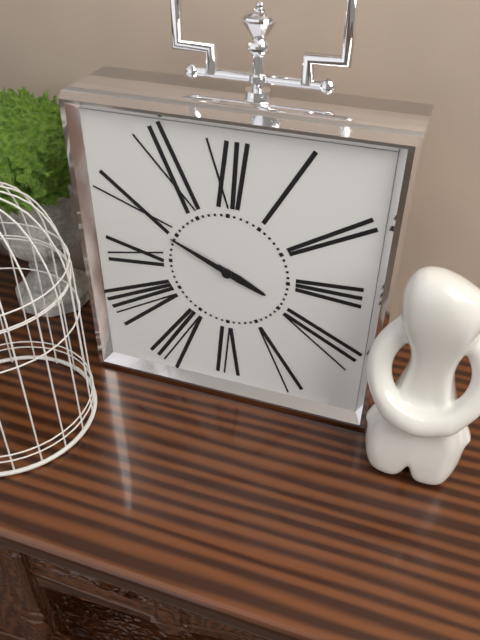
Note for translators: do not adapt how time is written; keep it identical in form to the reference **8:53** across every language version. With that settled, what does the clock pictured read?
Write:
**3:49**
